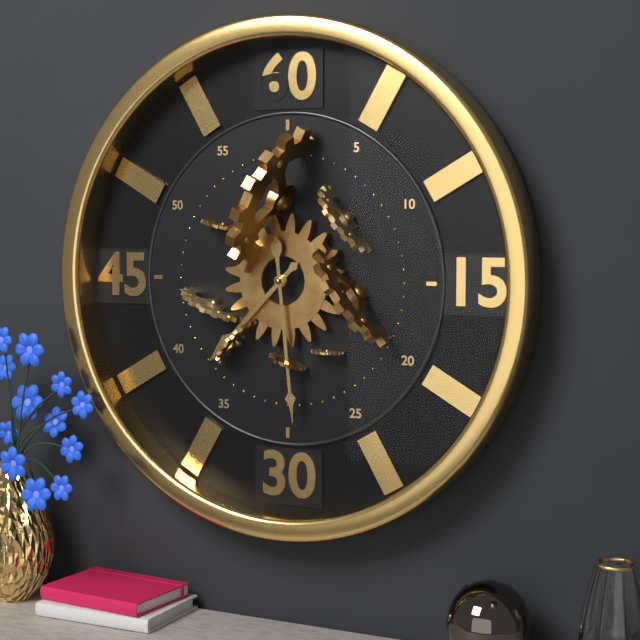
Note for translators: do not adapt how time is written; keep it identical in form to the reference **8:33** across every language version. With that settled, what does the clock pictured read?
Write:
**7:29**
